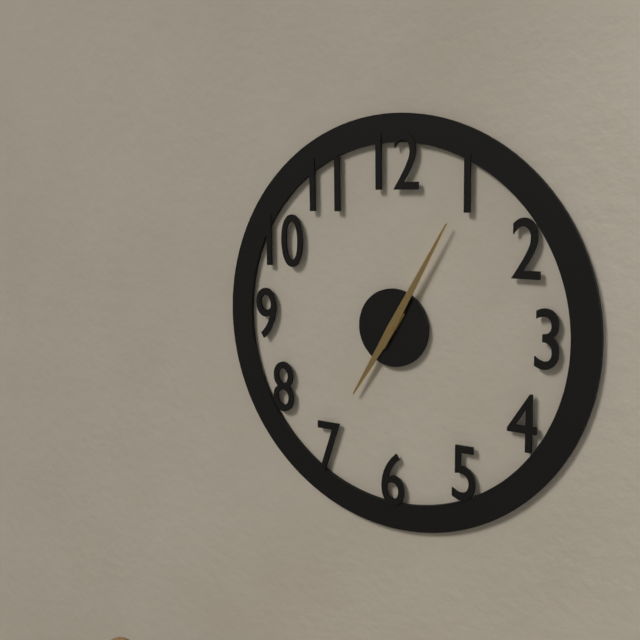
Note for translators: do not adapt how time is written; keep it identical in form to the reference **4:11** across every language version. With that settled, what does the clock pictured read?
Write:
**7:05**
